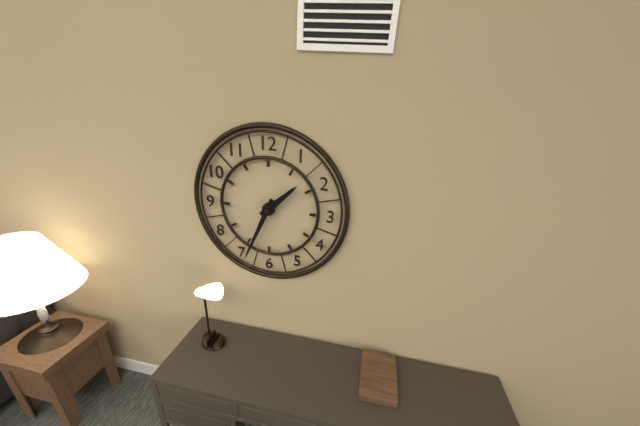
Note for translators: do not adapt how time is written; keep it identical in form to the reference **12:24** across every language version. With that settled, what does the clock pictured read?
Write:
**1:34**
